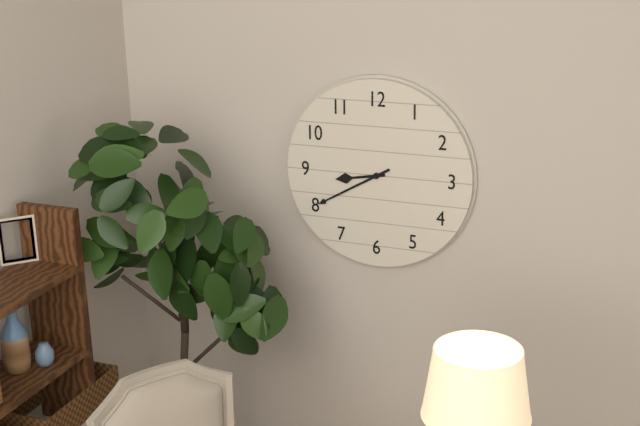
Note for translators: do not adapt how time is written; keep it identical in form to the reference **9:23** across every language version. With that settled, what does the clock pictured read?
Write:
**8:40**
